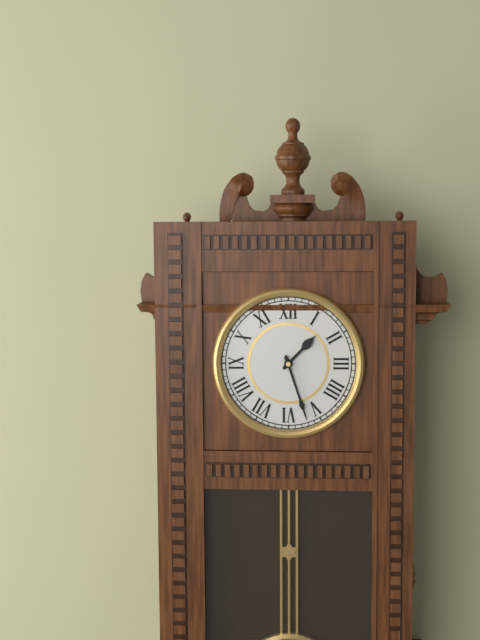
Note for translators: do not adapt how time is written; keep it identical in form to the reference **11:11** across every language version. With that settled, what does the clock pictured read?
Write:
**1:27**
